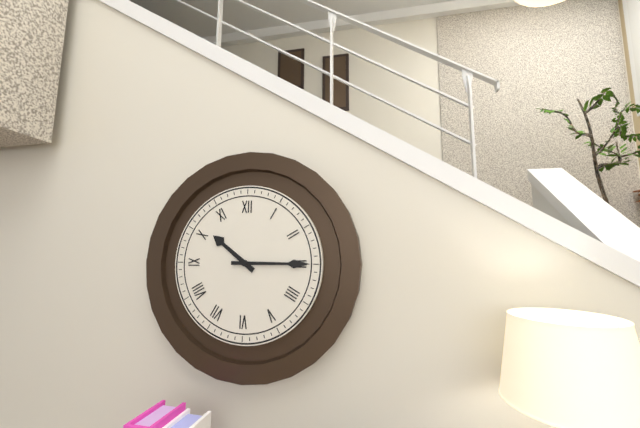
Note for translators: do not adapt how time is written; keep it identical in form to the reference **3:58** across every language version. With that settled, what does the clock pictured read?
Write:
**10:15**
